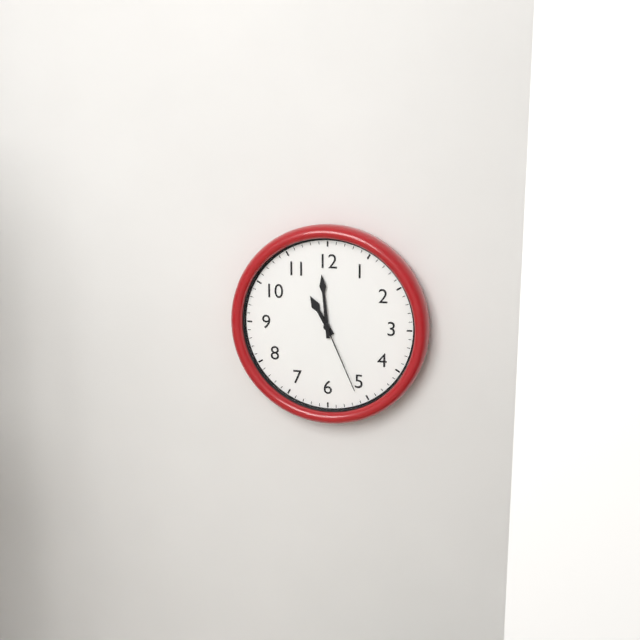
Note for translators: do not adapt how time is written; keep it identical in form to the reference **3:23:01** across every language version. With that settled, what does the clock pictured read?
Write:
**10:59:26**
